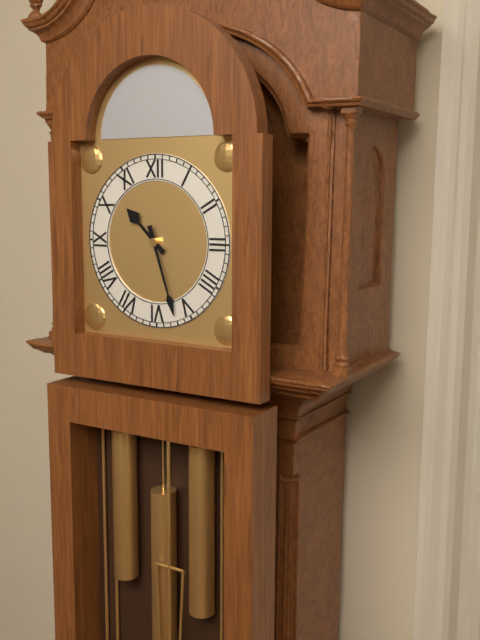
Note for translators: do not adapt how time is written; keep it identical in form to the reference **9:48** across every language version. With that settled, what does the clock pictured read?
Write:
**10:27**
